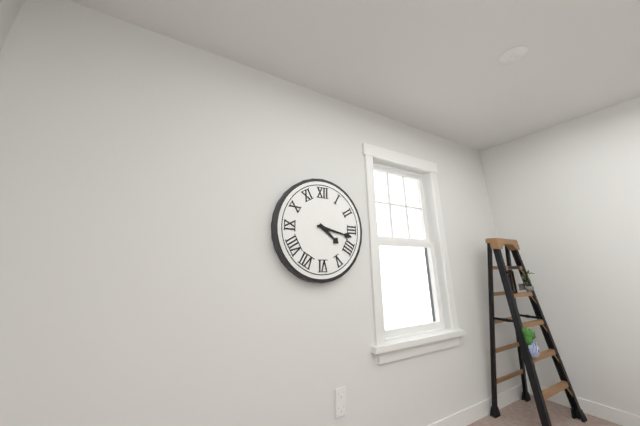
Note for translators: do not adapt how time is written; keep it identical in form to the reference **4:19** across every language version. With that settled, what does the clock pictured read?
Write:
**4:17**
